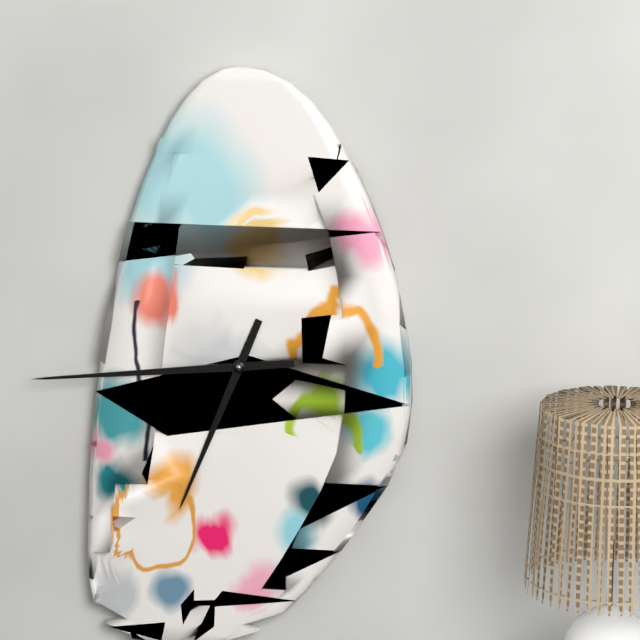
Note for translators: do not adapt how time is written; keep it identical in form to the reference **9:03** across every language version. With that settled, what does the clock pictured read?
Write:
**6:44**
